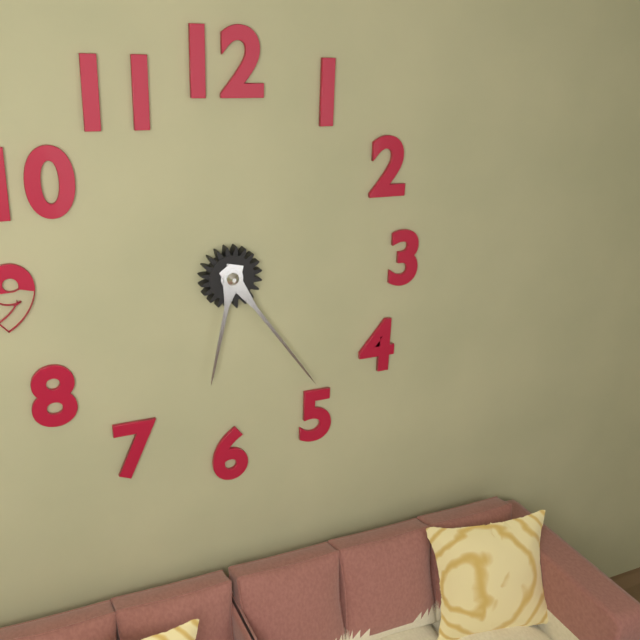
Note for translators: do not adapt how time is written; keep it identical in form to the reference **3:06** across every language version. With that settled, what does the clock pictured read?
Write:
**6:24**
